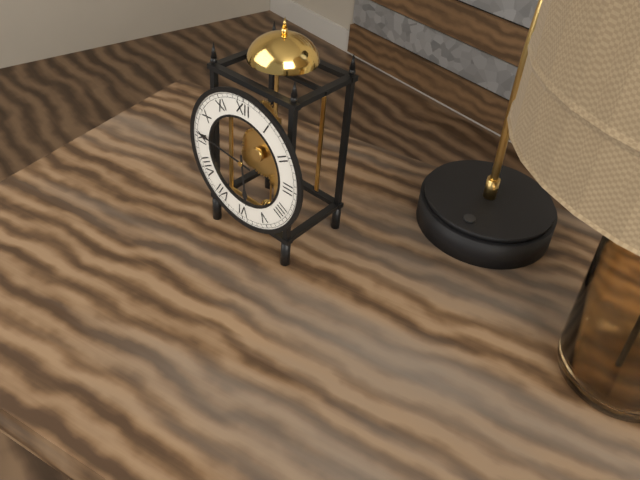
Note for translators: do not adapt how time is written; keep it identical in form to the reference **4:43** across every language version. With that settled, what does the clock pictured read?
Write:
**5:46**
